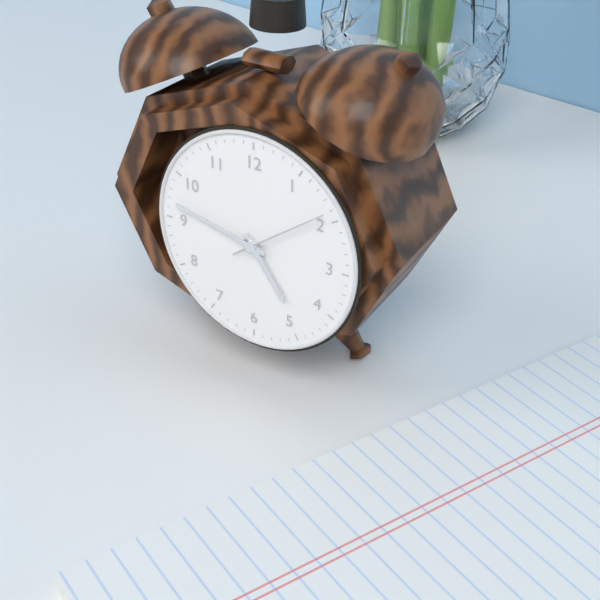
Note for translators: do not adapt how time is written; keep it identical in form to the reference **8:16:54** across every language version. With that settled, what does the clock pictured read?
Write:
**4:47:09**
